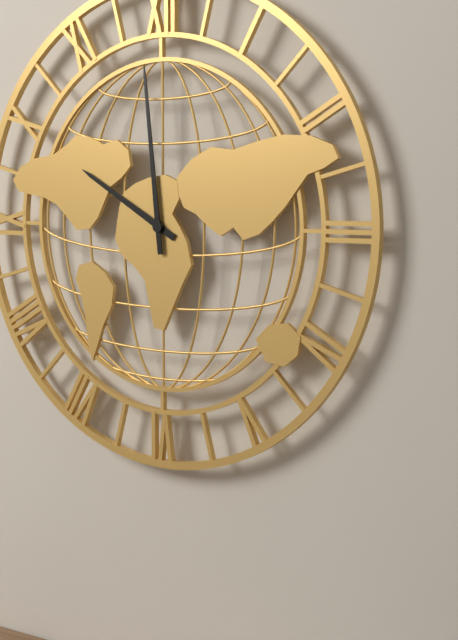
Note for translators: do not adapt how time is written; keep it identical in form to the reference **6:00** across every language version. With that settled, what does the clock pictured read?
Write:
**9:59**
